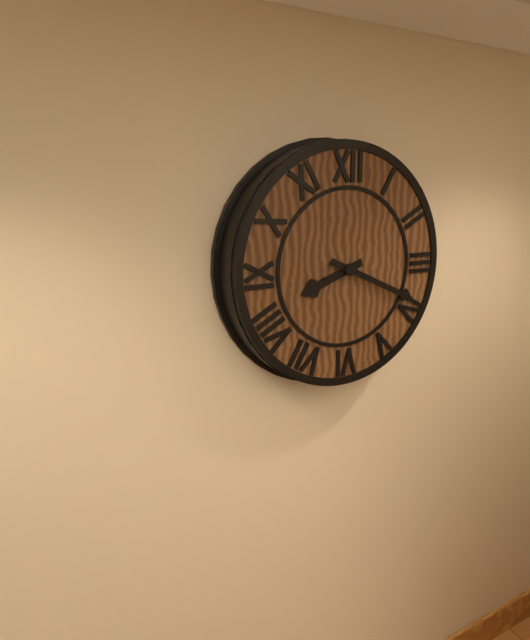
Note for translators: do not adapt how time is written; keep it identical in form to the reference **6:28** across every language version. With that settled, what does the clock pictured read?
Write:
**8:19**
